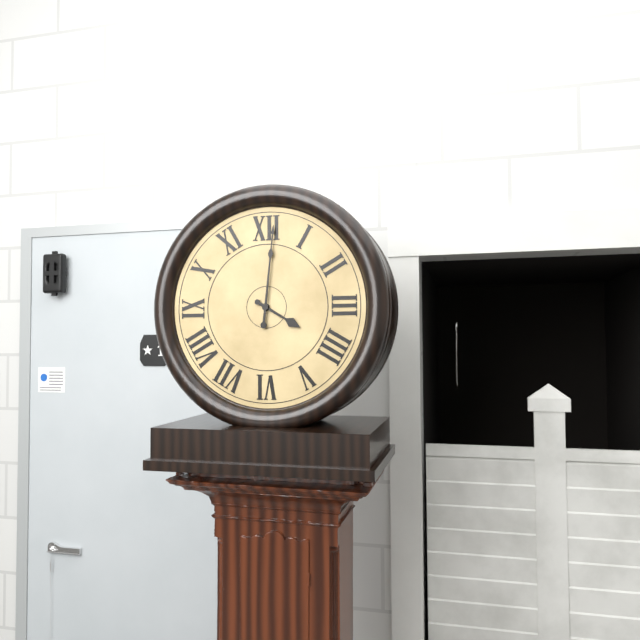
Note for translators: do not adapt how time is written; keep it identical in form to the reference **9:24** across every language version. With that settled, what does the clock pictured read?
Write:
**4:01**
